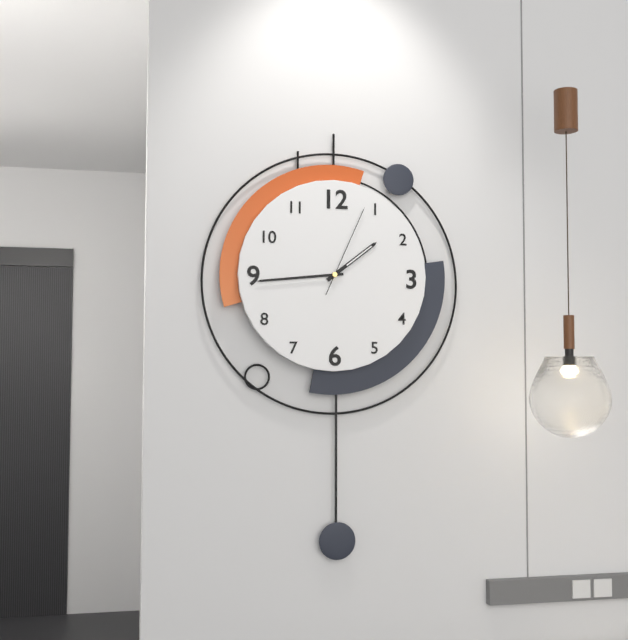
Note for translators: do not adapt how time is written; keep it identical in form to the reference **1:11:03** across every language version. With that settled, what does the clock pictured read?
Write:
**1:44:04**
